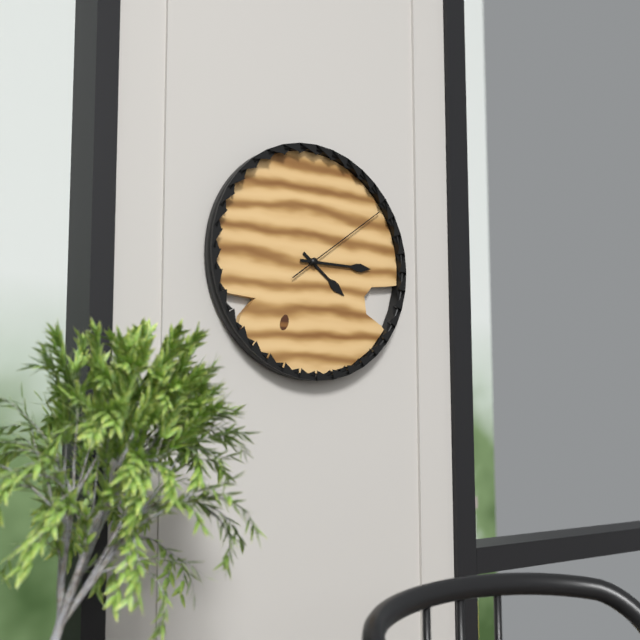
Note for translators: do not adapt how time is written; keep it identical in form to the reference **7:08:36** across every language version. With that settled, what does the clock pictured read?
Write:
**4:15:09**
